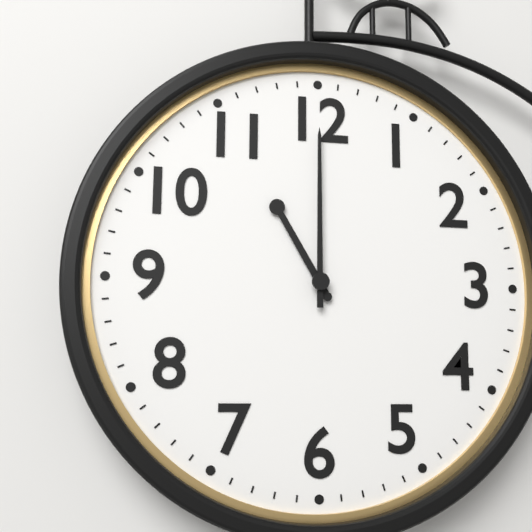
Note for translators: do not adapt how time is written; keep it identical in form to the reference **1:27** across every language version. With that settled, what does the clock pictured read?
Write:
**11:00**
